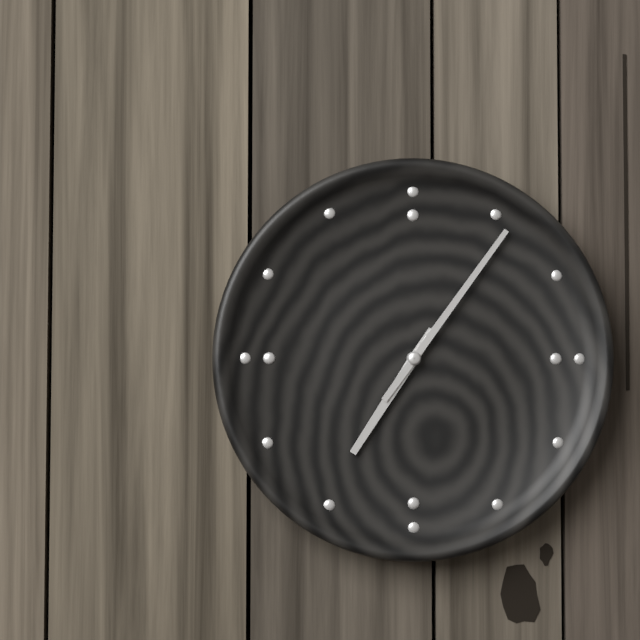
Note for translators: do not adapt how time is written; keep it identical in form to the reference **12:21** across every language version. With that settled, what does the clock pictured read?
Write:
**7:06**
